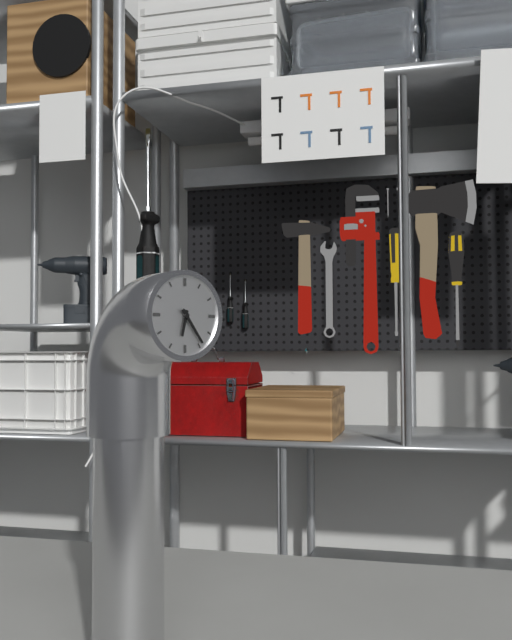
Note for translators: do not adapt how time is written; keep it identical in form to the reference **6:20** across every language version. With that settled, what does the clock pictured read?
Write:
**6:24**
